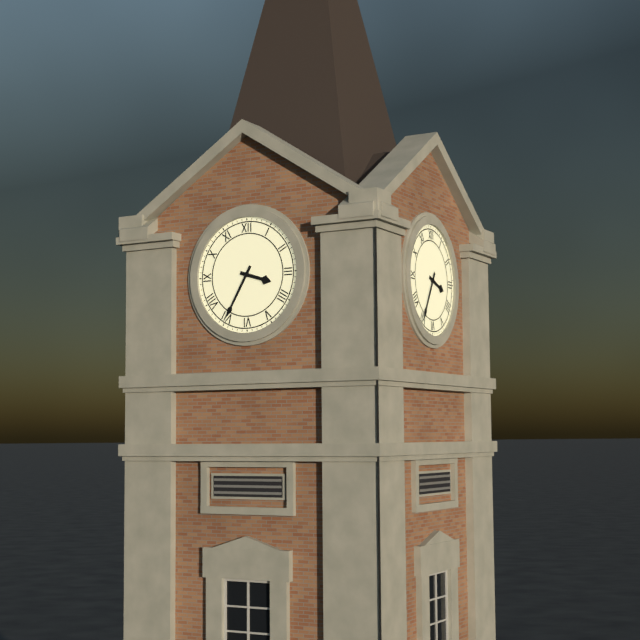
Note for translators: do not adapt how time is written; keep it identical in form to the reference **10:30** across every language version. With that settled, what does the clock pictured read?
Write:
**3:35**
